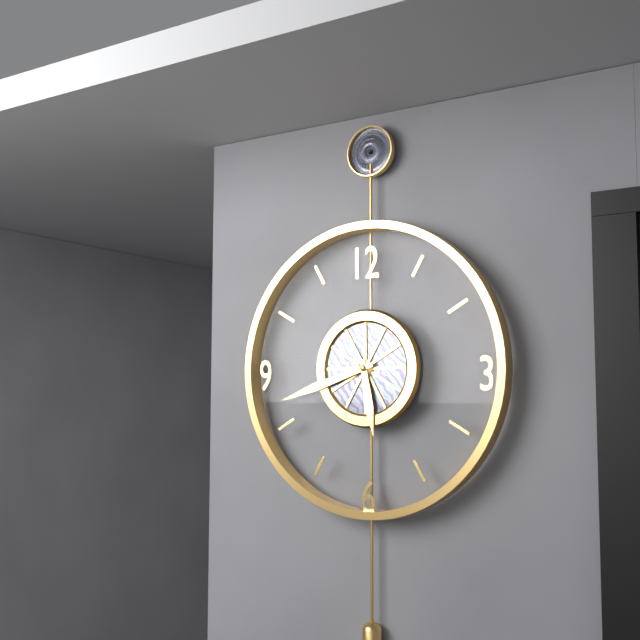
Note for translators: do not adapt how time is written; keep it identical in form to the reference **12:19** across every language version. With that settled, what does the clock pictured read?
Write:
**5:42**
